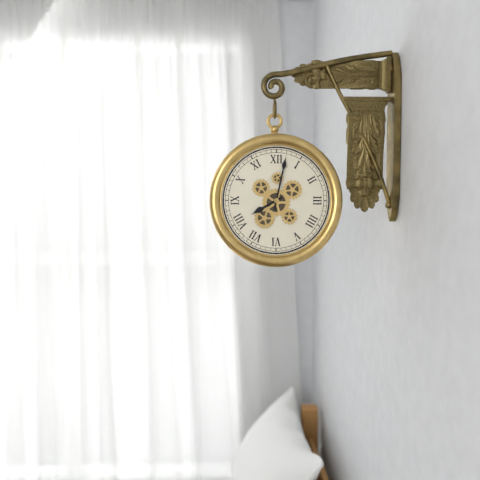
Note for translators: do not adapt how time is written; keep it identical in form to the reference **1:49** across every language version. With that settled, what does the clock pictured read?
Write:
**8:02**
